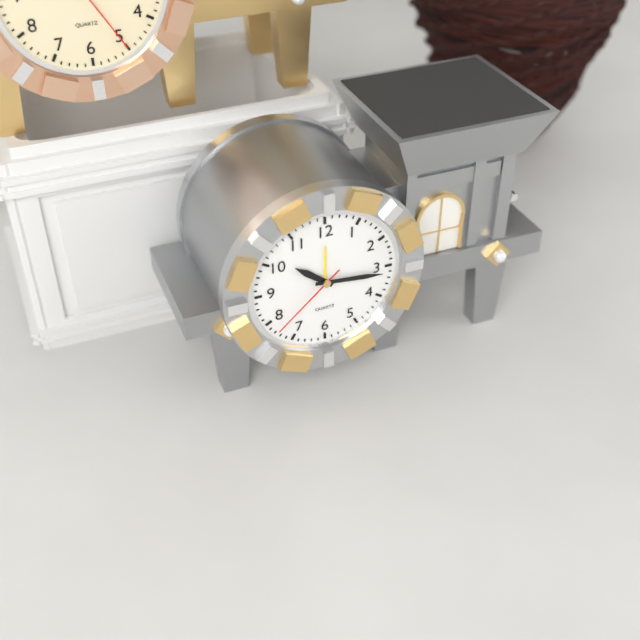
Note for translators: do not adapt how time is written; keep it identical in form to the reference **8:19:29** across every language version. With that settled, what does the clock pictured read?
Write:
**10:16:38**
